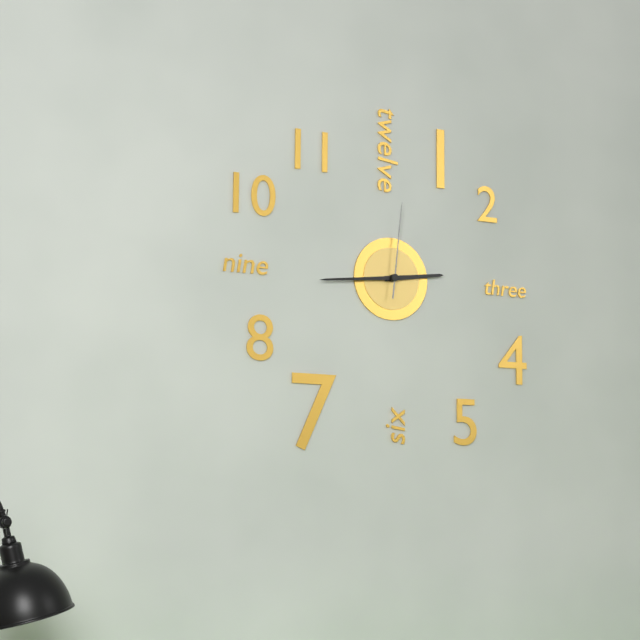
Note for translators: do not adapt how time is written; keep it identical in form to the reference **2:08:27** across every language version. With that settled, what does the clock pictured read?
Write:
**2:44:01**
